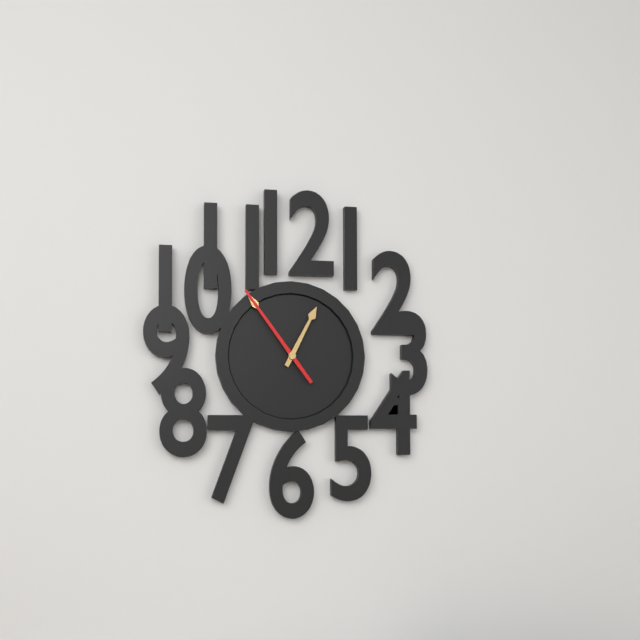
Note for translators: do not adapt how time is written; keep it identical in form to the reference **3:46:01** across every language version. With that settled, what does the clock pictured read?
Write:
**12:54:54**
